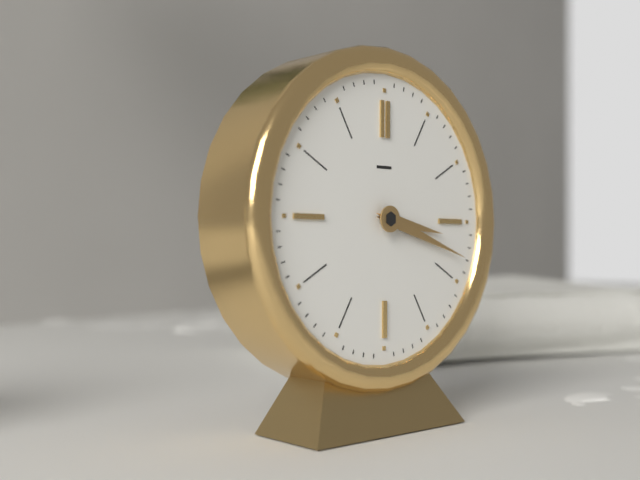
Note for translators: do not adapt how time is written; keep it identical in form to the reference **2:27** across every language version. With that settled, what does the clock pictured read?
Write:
**3:18**
